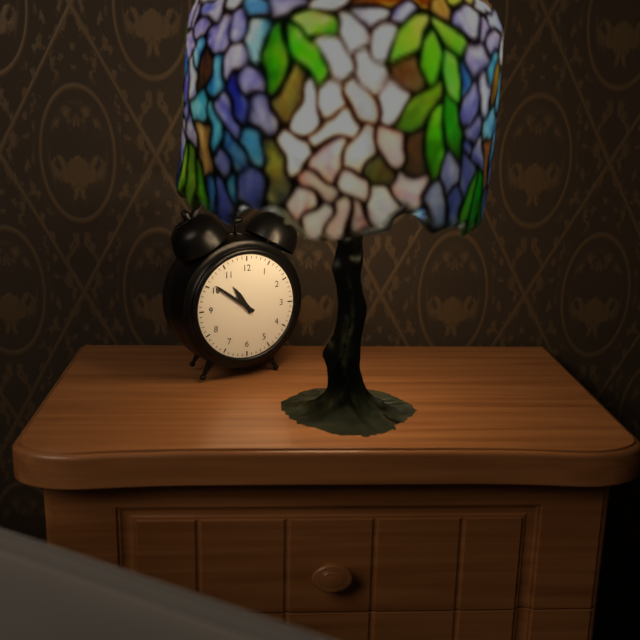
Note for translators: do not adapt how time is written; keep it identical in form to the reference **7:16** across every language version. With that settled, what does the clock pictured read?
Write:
**10:51**
